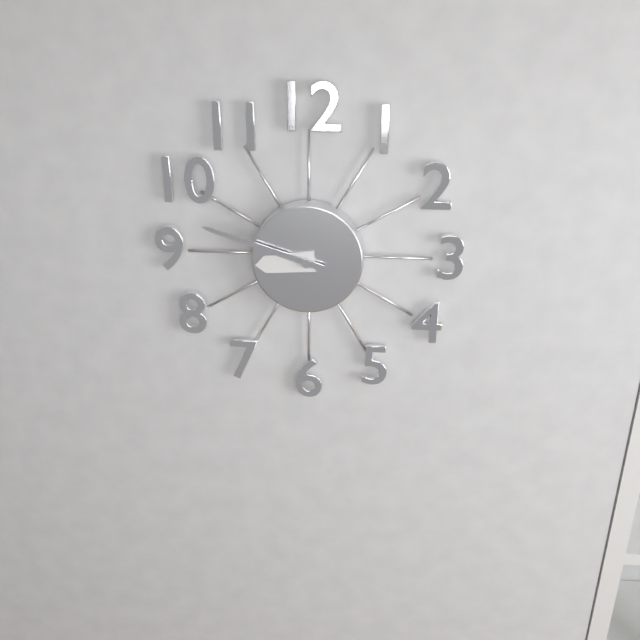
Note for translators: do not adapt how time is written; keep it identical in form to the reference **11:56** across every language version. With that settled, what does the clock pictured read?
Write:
**8:48**
